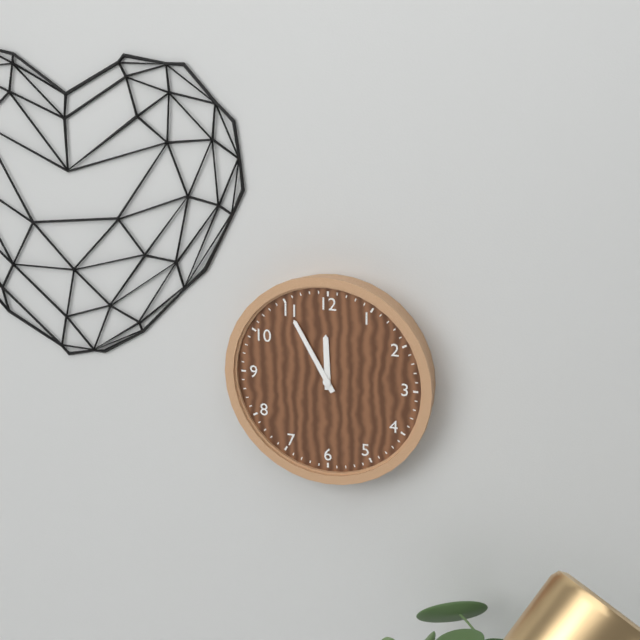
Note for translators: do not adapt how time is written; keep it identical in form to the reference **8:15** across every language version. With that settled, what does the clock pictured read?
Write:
**11:55**
